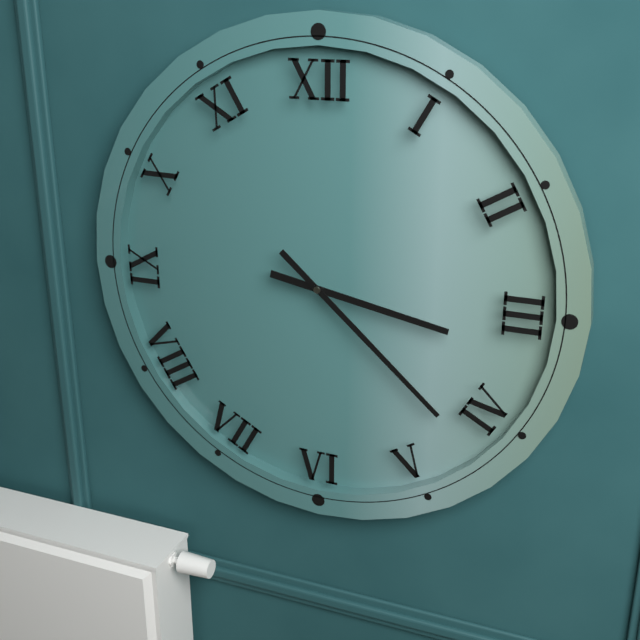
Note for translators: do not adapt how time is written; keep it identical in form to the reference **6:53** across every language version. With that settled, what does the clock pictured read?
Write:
**3:22**
